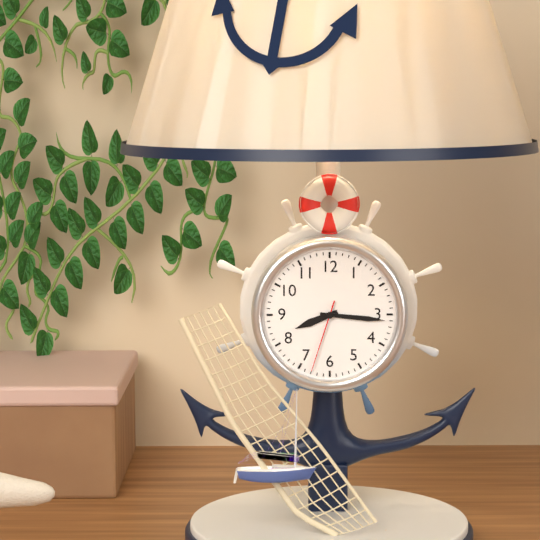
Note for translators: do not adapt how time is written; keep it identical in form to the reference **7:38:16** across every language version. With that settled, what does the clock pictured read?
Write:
**8:16:33**
